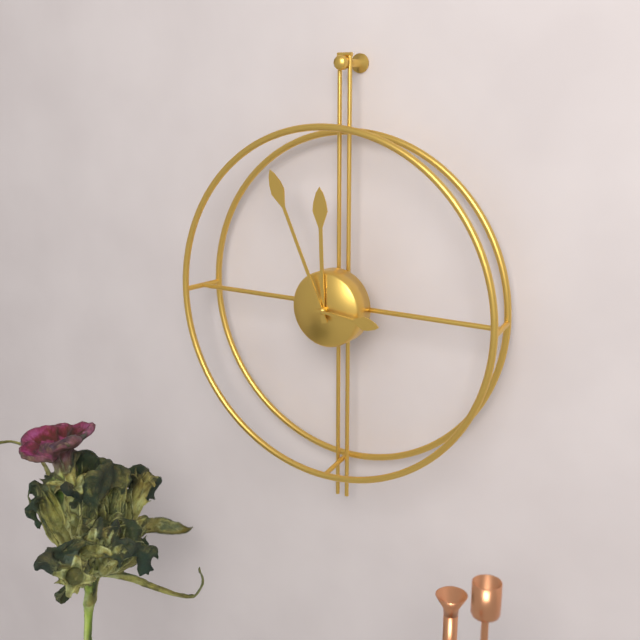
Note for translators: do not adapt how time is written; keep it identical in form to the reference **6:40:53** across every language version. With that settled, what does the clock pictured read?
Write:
**11:56:16**
